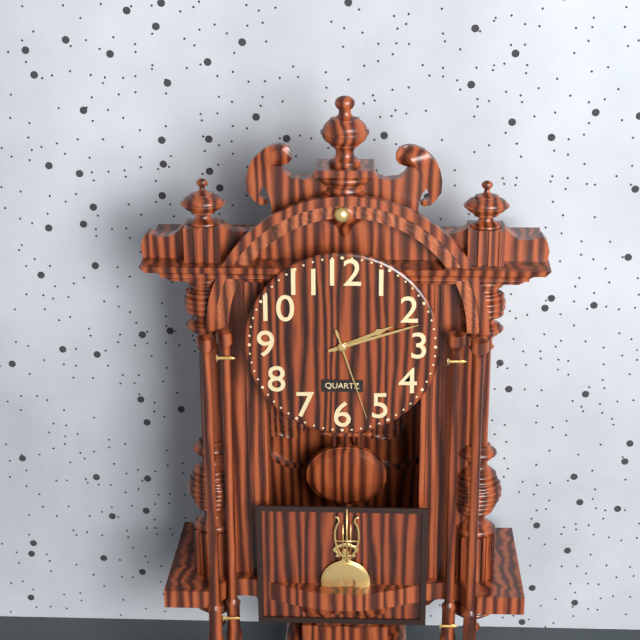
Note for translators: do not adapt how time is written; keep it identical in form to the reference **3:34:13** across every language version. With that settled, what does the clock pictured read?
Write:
**2:12:27**
